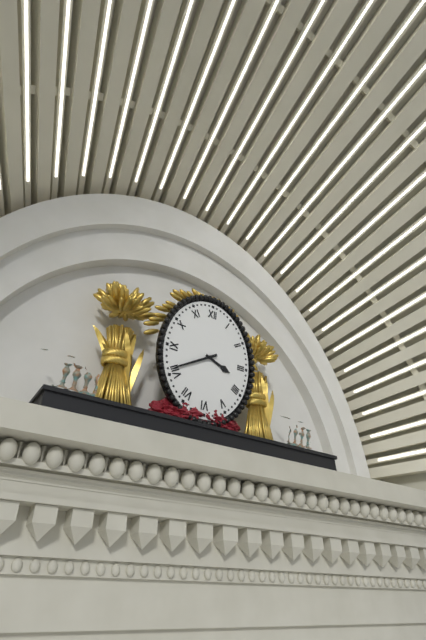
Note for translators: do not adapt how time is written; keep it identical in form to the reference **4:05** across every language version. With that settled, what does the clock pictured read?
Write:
**3:40**
